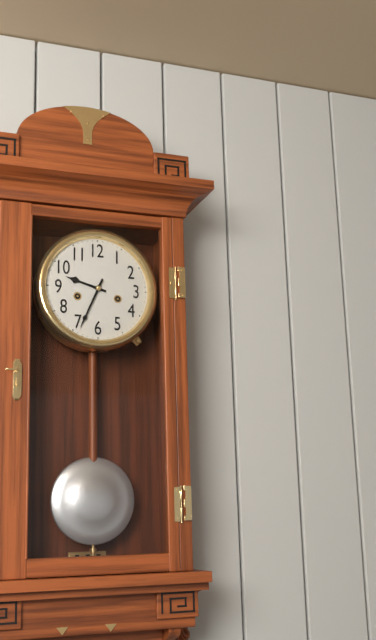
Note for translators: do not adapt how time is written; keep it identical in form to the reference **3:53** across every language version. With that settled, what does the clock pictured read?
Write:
**9:34**
